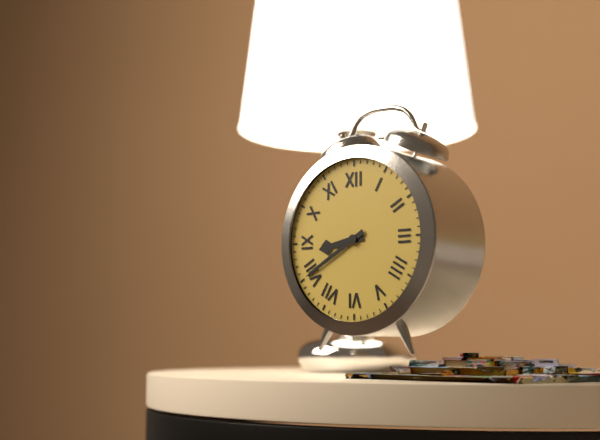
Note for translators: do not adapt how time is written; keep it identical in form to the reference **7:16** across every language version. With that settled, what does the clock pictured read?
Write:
**8:40**
